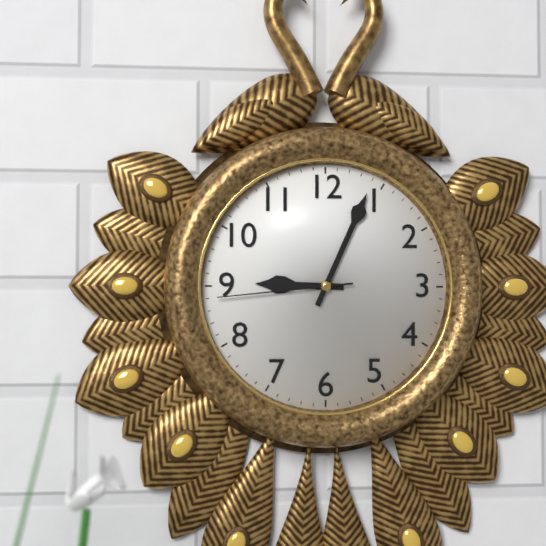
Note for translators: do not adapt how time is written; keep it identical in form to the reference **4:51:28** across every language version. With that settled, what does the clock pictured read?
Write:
**9:04:44**
